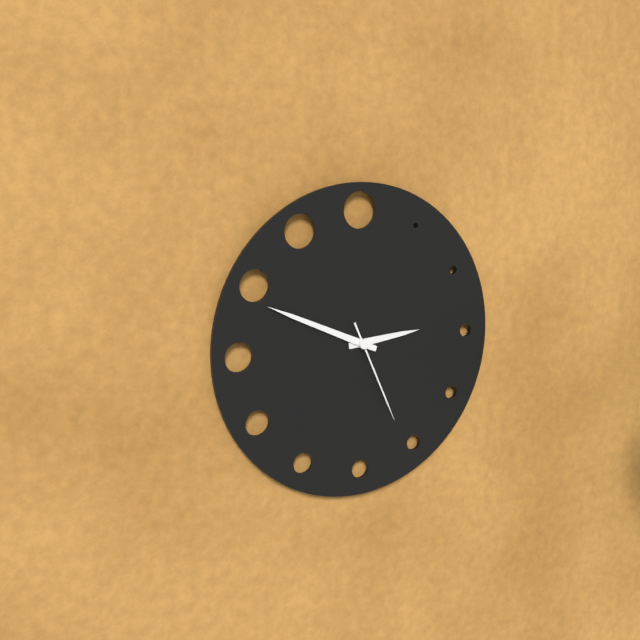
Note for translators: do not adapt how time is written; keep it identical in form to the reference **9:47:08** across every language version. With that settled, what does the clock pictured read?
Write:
**2:49:26**
